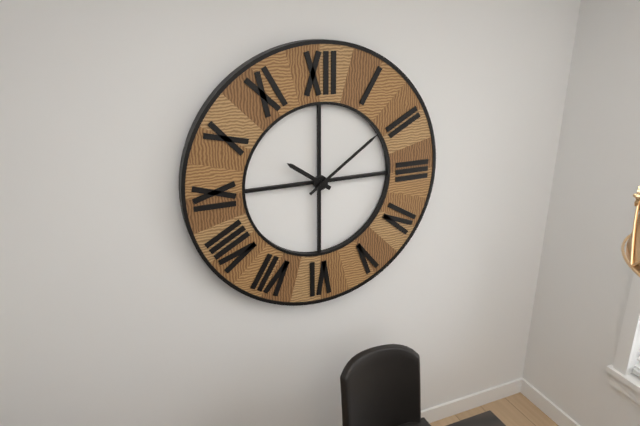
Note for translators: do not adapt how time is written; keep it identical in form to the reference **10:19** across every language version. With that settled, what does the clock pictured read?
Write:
**10:09**
